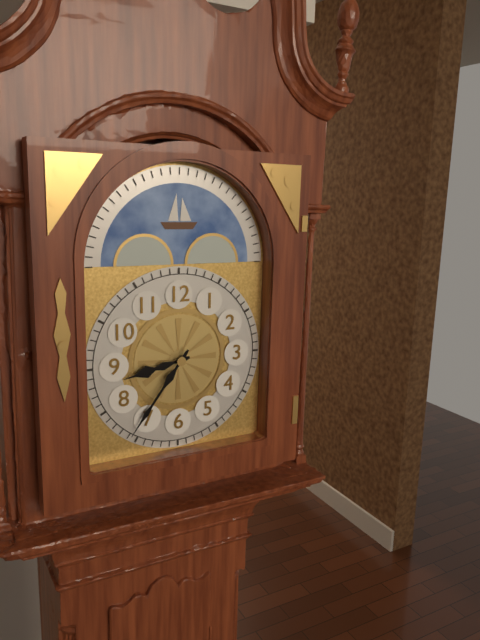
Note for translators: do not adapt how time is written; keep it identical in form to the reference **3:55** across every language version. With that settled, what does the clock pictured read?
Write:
**8:36**
